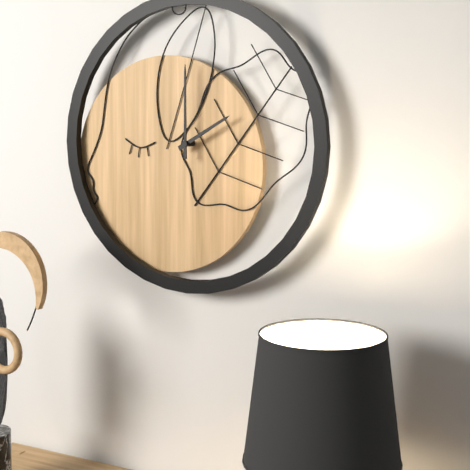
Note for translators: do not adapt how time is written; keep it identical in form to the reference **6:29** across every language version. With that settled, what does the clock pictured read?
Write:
**2:00**
